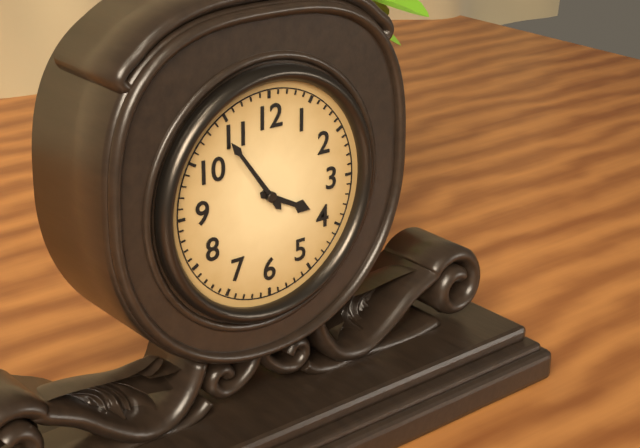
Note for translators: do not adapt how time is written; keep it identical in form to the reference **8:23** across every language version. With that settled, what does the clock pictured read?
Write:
**3:54**
